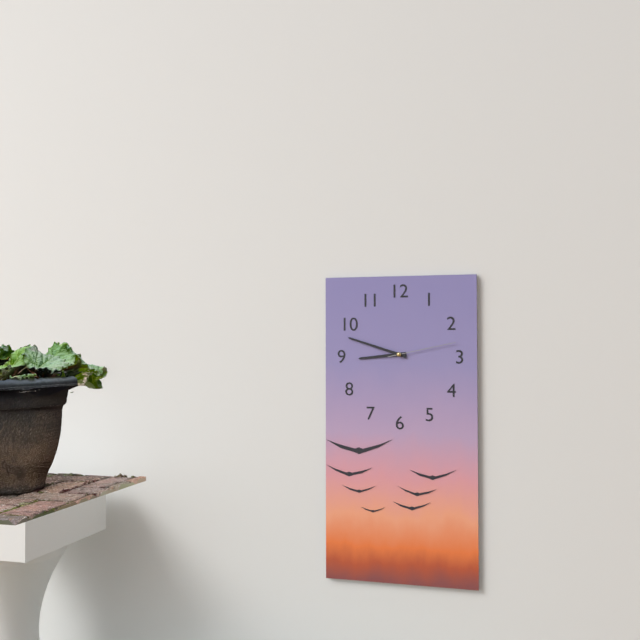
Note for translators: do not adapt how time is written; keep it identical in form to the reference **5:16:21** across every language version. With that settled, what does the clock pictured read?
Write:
**8:48:13**
